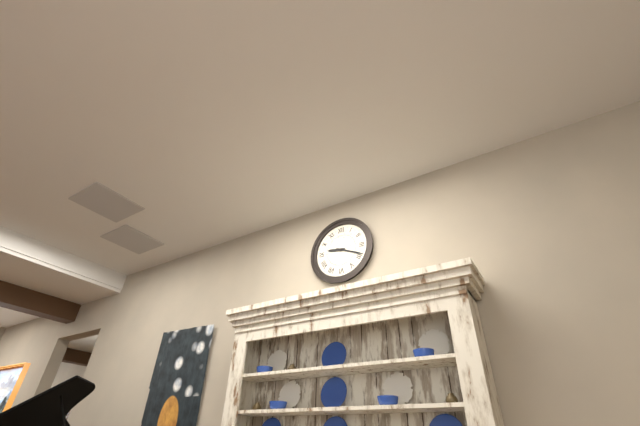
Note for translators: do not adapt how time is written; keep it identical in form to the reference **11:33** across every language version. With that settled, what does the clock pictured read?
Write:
**9:19**
